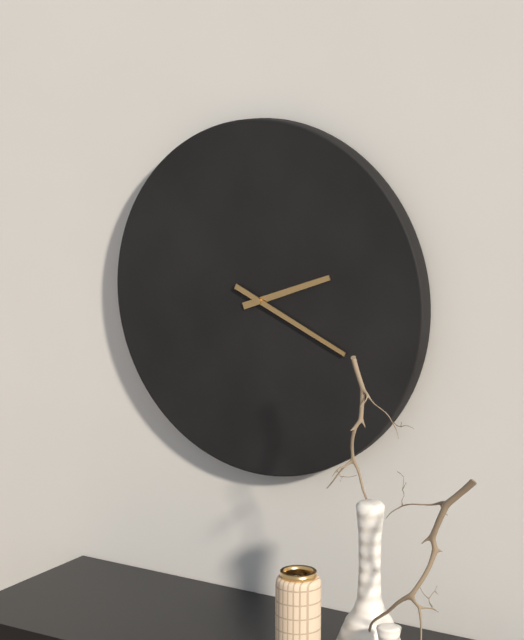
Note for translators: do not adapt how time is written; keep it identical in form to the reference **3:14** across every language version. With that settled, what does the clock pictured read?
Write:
**2:19**
